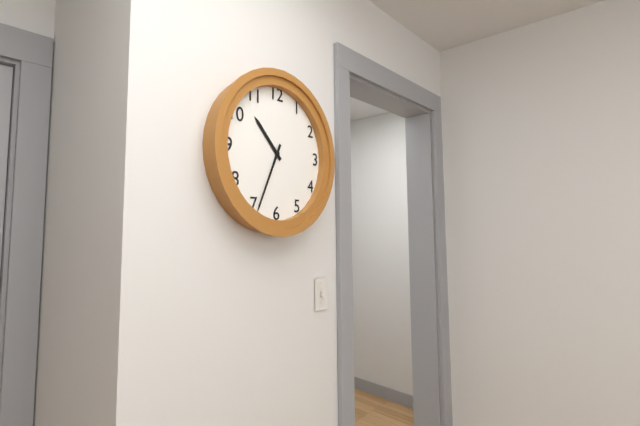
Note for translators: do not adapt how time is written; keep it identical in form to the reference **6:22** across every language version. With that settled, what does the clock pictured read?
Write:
**10:34**
